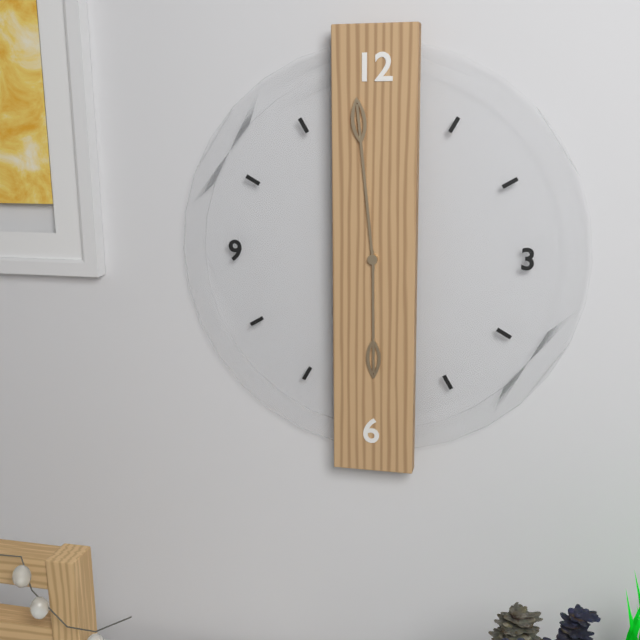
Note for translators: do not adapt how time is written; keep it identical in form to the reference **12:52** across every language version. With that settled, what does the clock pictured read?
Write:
**5:59**
